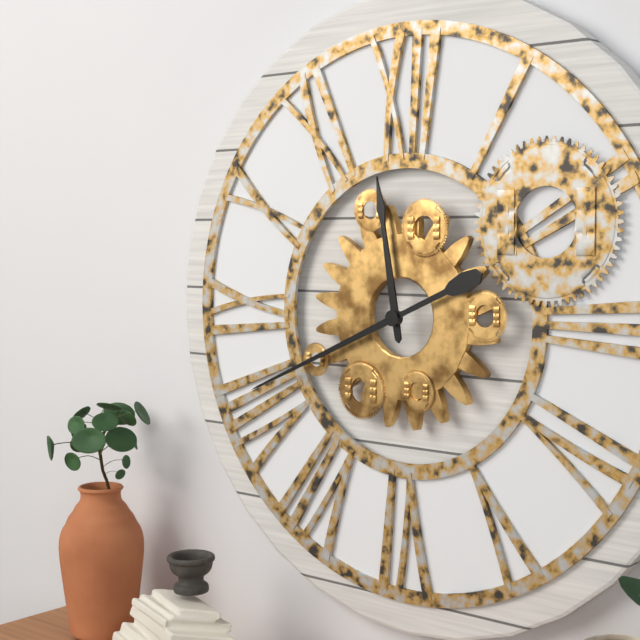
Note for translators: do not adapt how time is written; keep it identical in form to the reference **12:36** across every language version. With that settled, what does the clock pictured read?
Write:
**11:41**
